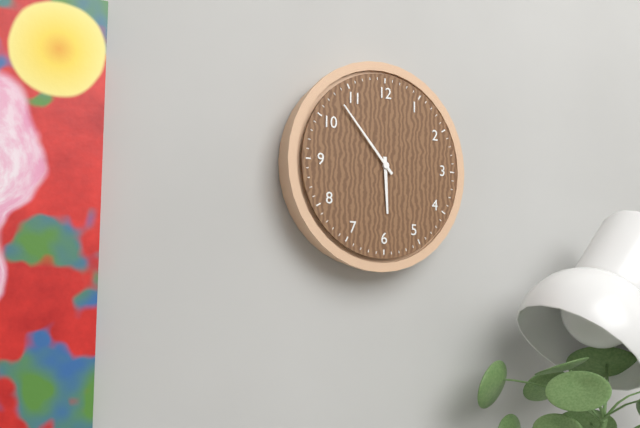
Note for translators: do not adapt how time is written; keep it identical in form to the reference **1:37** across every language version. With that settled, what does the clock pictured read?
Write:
**5:53**
